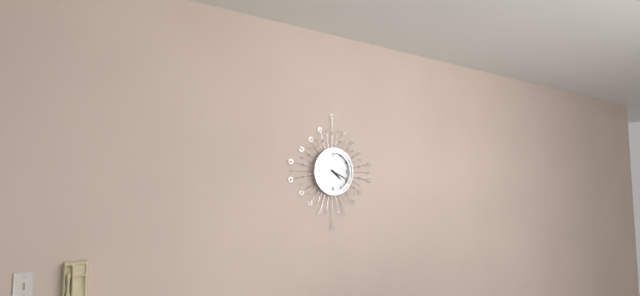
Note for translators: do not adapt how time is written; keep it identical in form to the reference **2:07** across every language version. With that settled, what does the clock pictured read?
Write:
**4:19**
